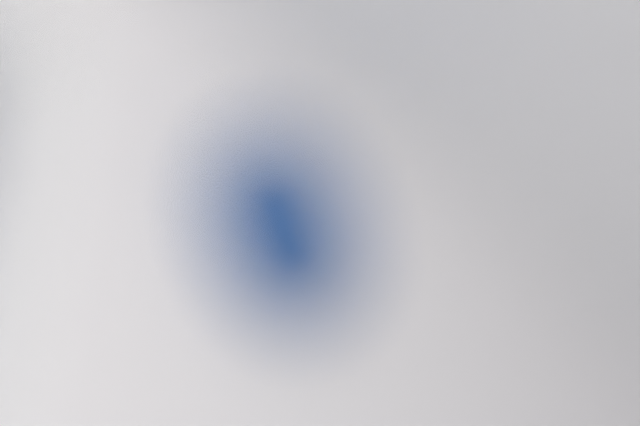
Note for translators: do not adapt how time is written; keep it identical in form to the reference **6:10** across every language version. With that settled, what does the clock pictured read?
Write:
**3:29**
